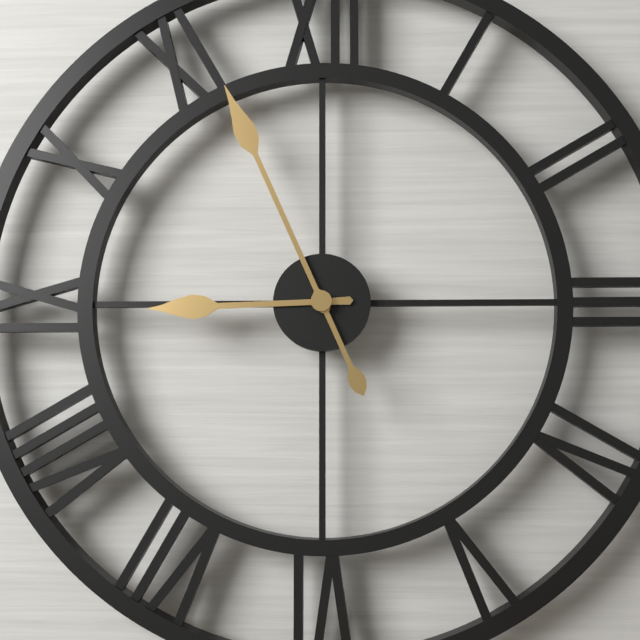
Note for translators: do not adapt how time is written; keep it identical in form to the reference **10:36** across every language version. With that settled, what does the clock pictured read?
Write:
**8:56**
